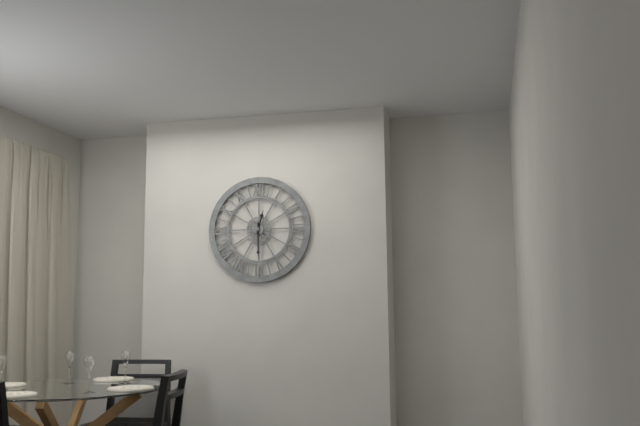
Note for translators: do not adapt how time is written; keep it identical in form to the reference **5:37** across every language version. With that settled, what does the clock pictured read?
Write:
**12:30**
